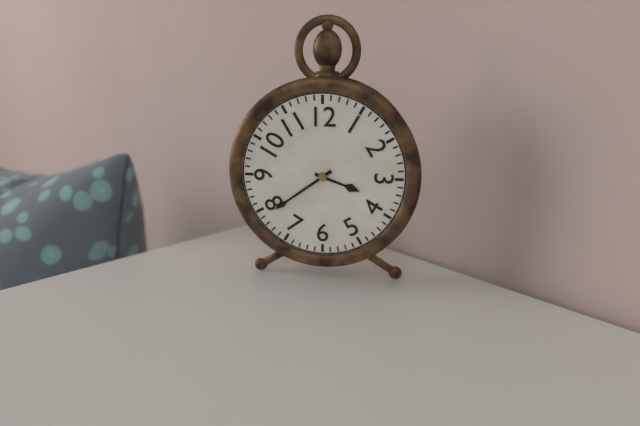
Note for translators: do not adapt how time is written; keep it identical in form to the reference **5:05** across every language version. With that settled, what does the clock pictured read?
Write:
**3:39**
